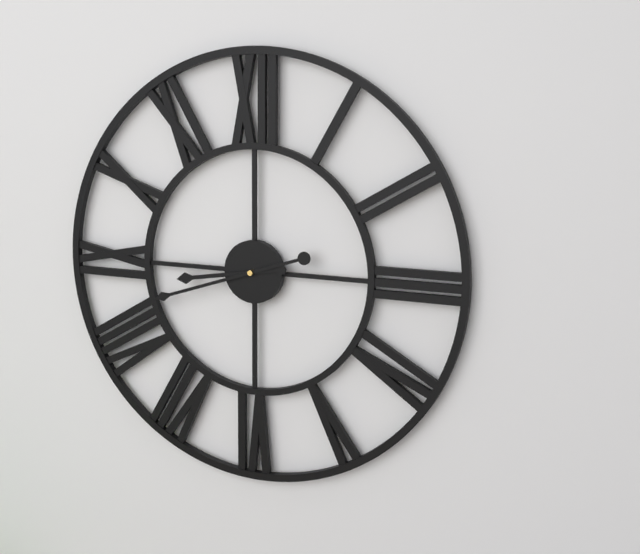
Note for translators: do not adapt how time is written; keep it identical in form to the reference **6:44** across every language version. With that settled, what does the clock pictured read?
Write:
**8:42**
